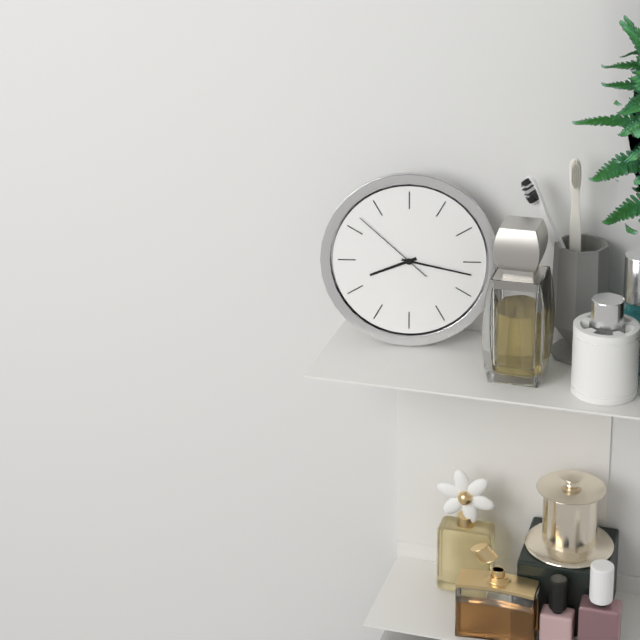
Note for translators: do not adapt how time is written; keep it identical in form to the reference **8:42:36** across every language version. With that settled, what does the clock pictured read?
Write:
**8:17:52**
